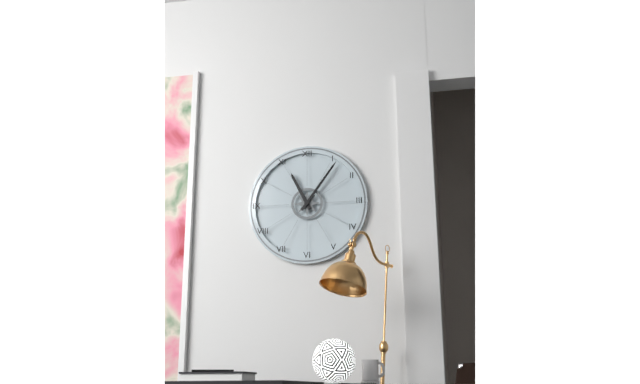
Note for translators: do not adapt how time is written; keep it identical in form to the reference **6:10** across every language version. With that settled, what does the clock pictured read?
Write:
**11:06**
